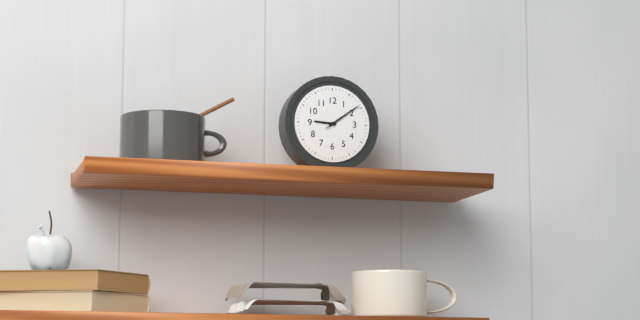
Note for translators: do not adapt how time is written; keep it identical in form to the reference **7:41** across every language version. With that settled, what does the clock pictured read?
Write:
**9:09**
